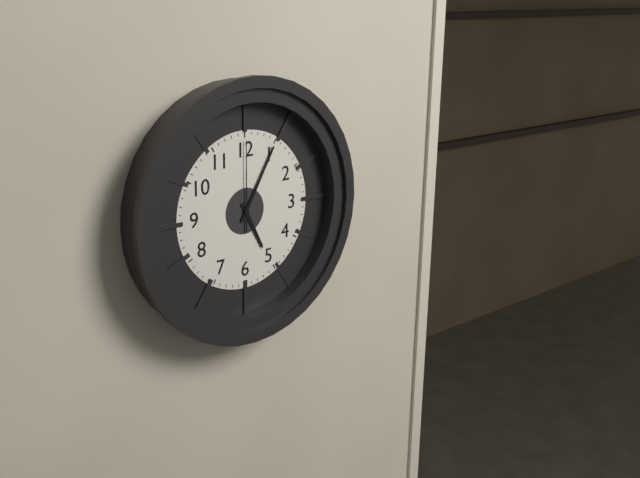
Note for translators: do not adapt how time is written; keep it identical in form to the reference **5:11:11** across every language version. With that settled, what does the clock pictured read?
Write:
**5:05:00**
